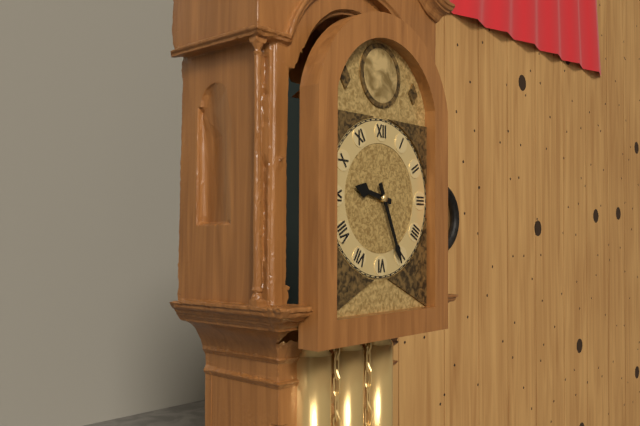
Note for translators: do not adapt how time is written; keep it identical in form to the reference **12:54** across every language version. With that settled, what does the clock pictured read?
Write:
**9:26**
